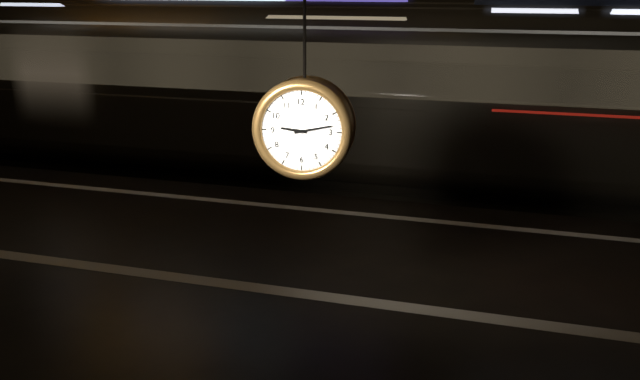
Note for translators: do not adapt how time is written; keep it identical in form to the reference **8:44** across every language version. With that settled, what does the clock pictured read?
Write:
**9:13**
